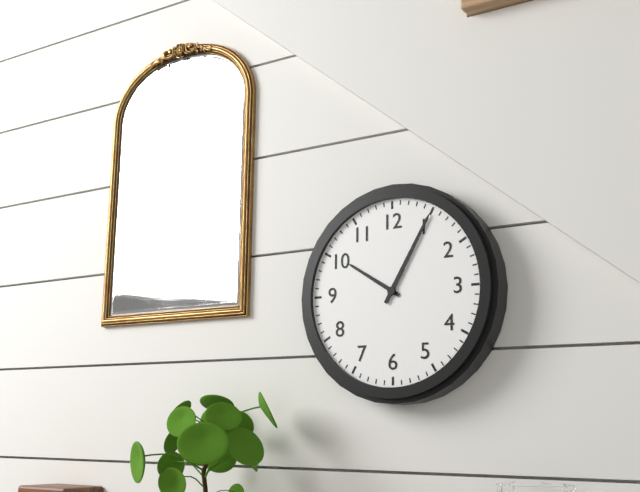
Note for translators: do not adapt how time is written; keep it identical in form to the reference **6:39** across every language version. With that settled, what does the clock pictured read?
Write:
**10:05**
